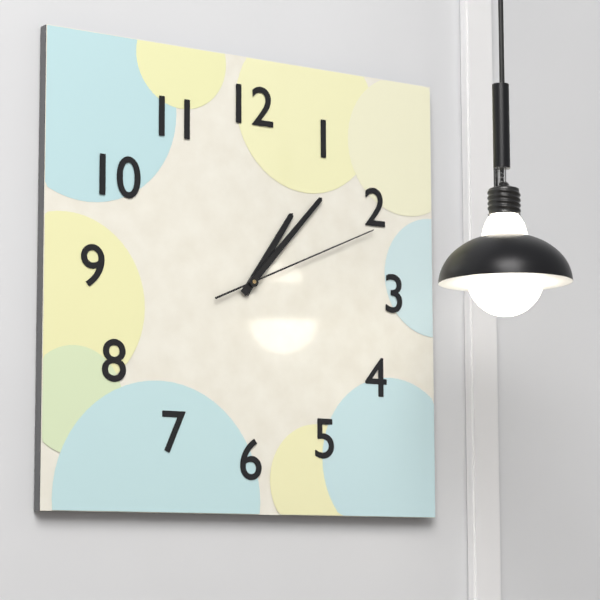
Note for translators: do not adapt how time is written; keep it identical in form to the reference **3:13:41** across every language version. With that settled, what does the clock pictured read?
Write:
**1:07:11**
